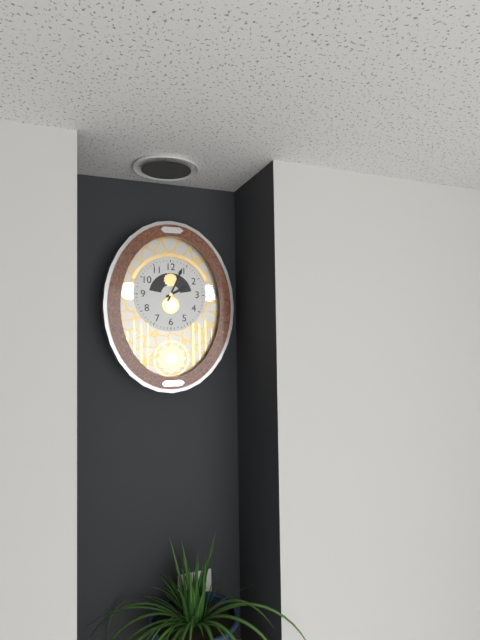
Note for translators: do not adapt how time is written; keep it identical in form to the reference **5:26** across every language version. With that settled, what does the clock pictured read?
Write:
**2:04**
